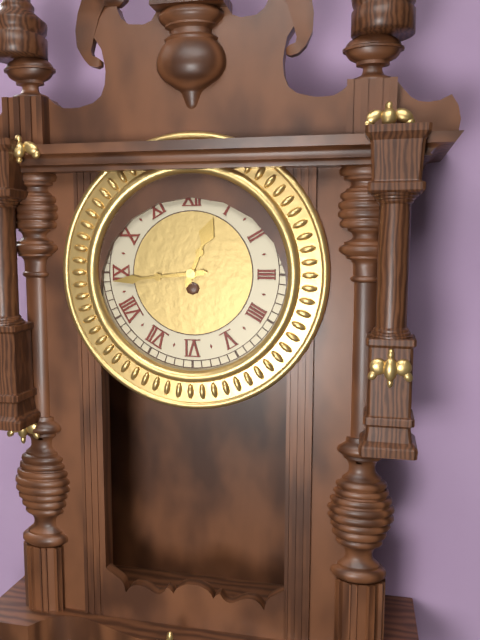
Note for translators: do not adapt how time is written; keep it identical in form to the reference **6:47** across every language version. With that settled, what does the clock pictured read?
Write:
**12:44**
